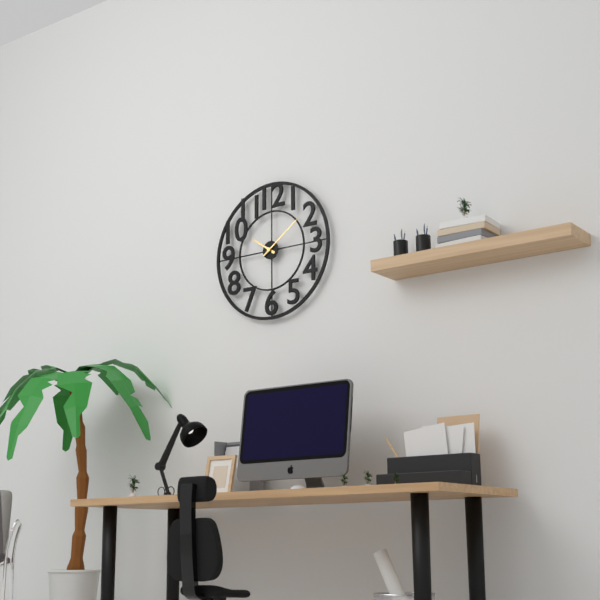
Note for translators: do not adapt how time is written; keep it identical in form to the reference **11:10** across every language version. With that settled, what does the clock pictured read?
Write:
**10:09**
